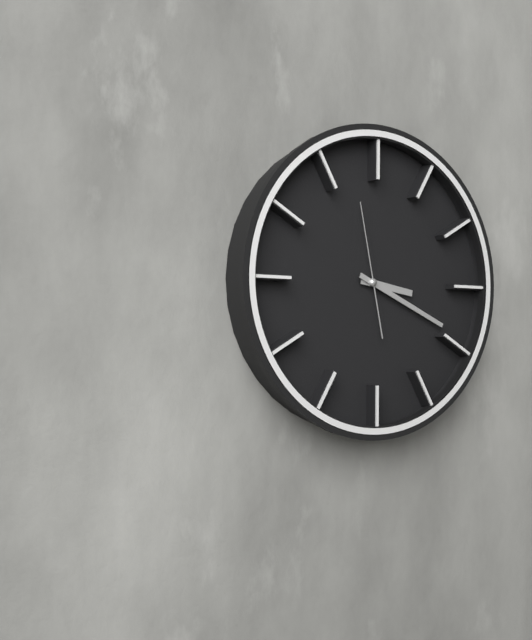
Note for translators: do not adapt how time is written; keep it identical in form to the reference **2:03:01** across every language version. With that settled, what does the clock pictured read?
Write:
**3:19:58**
